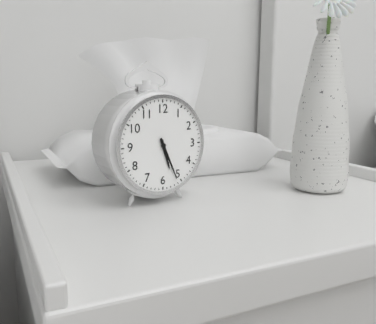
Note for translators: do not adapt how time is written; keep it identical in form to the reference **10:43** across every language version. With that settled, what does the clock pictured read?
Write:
**5:26**
